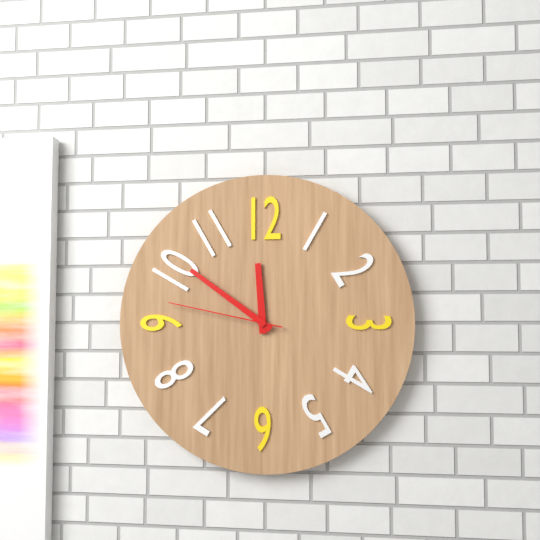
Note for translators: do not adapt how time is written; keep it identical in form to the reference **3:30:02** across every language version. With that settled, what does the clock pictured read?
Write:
**11:51:47**
